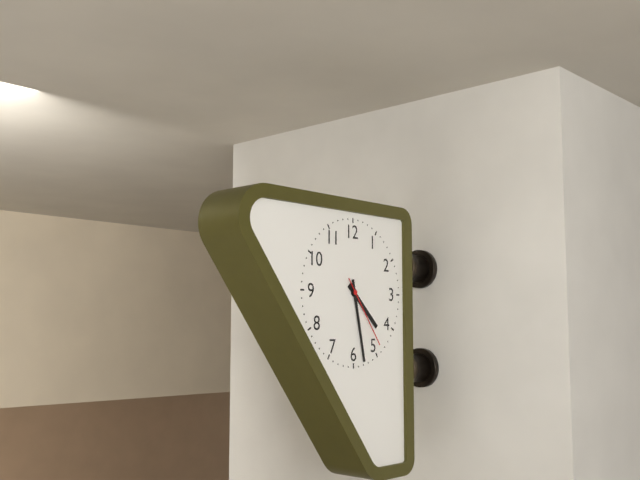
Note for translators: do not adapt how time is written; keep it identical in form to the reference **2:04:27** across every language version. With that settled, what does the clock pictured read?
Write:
**4:28:24**
